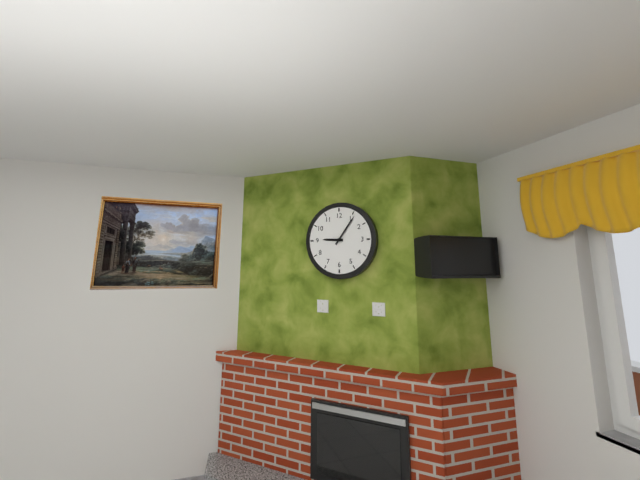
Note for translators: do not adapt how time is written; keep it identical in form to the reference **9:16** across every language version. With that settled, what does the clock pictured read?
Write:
**9:06**
